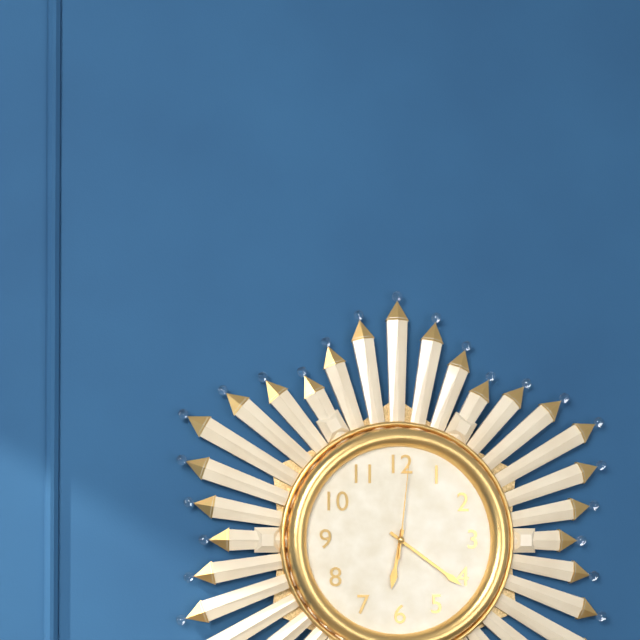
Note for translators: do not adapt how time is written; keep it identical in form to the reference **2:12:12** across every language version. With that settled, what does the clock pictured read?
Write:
**6:21:01**
